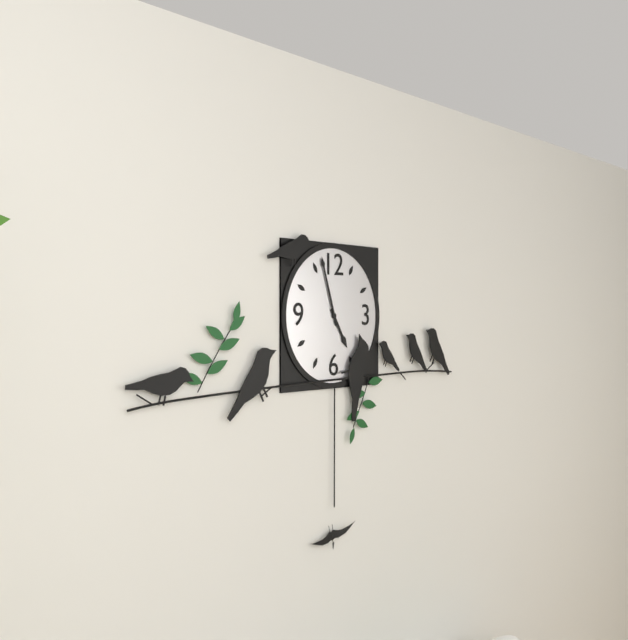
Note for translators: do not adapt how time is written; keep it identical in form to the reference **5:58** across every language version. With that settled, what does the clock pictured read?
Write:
**4:57**
